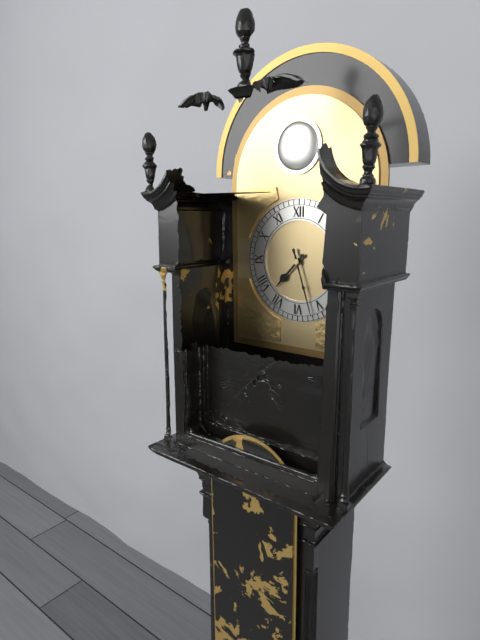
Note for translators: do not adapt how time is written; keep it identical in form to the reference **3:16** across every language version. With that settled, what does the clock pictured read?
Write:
**7:27**
